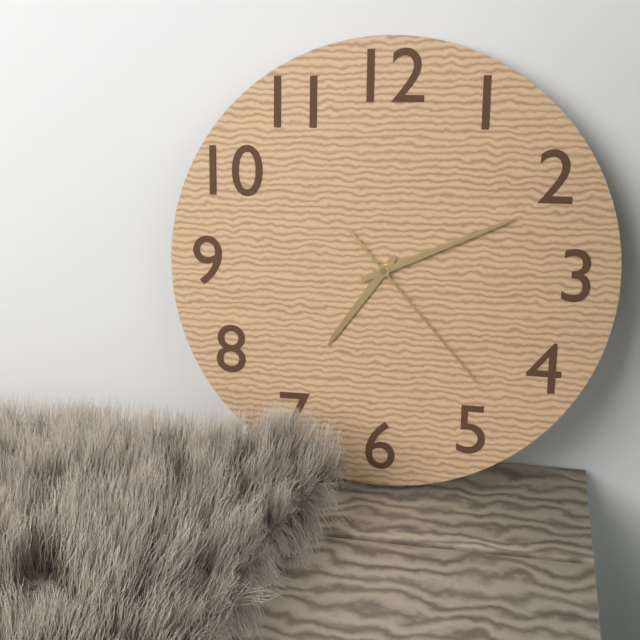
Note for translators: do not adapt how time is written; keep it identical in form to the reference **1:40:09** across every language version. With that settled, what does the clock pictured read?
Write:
**7:11:23**
